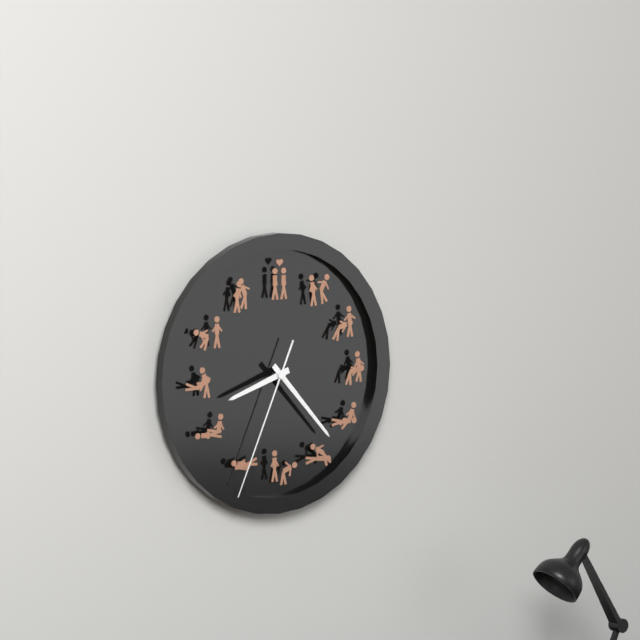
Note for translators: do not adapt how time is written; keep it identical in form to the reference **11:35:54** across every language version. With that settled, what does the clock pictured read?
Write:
**8:23:34**
